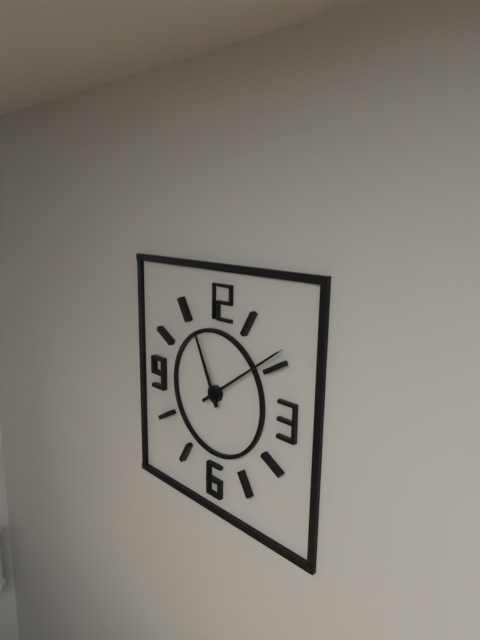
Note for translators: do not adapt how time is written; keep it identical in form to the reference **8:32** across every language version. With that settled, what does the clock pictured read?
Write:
**11:09**
